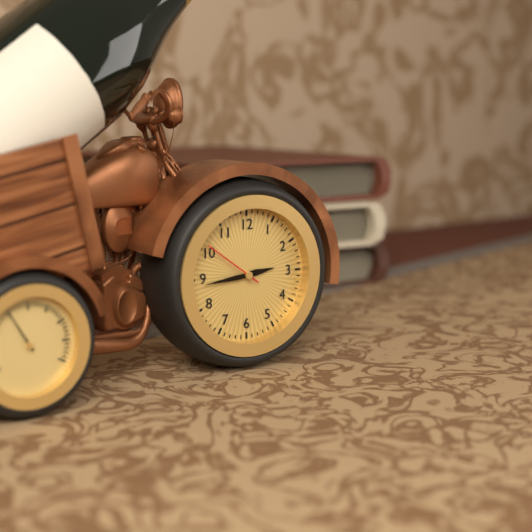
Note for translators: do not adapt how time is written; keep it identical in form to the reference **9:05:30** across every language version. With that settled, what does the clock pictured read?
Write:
**2:44:51**
